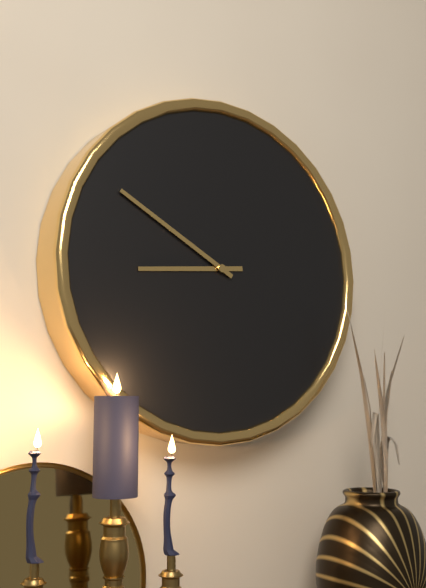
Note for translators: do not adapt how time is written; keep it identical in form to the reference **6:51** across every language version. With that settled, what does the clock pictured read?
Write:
**8:50**
